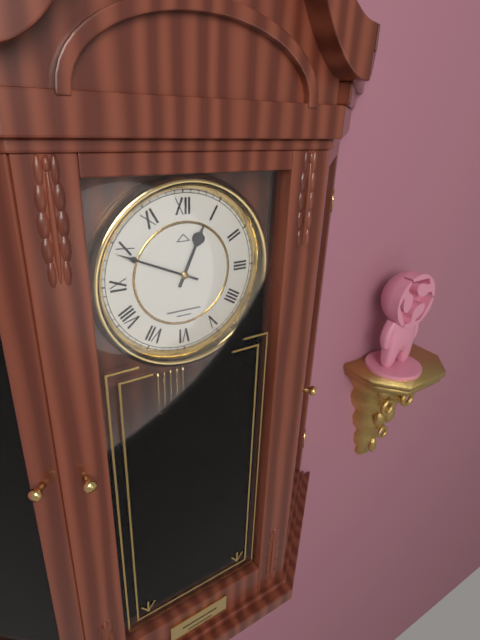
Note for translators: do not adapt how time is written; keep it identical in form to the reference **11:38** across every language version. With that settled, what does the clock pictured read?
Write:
**12:49**
